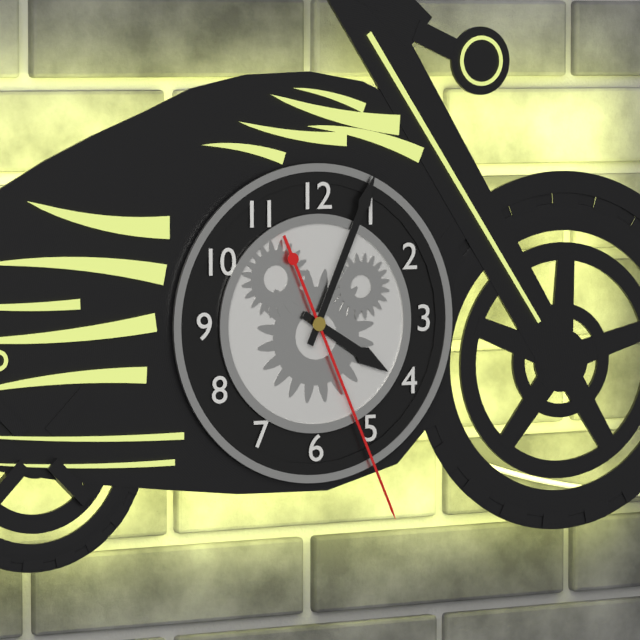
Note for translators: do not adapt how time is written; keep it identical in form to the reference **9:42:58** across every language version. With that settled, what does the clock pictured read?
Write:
**4:04:26**
